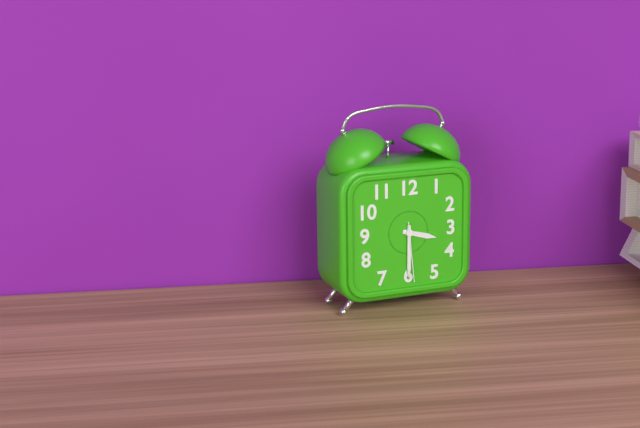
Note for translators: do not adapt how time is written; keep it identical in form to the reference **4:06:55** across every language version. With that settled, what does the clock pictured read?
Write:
**3:30:29**
